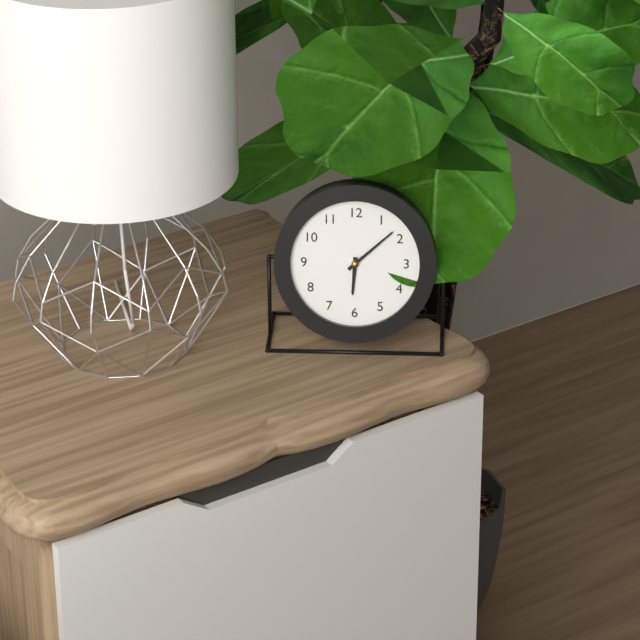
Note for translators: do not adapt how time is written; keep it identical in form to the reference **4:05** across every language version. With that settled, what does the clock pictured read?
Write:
**6:08**
